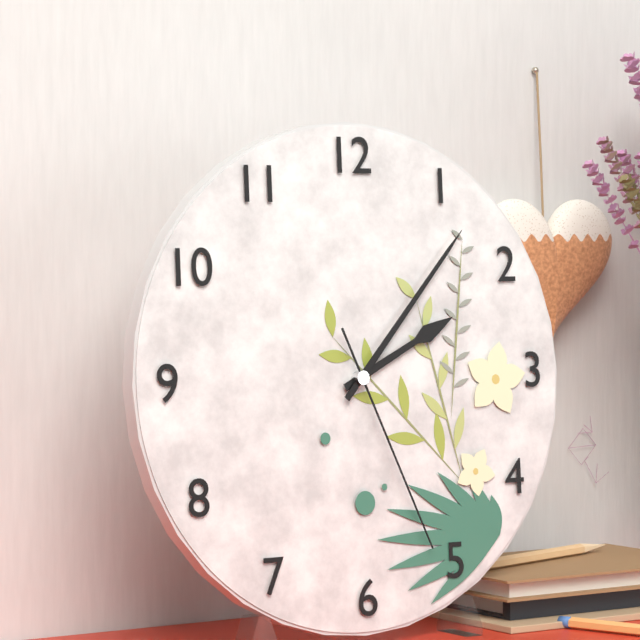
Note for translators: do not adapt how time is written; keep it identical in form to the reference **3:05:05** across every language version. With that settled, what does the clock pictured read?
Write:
**2:07:26**
